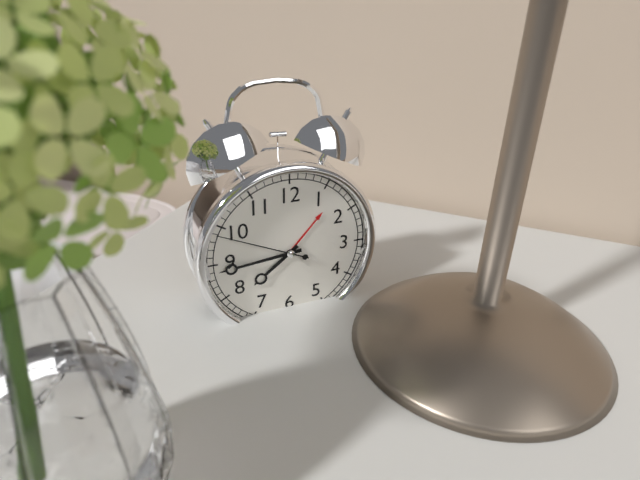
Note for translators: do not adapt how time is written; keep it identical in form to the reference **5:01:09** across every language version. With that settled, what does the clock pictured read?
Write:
**7:44:49**
